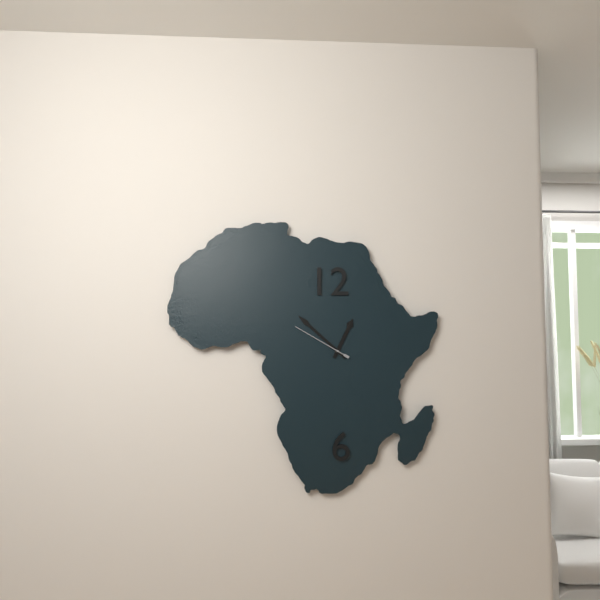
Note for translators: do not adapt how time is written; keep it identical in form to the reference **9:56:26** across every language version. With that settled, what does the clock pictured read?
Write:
**12:52:50**
